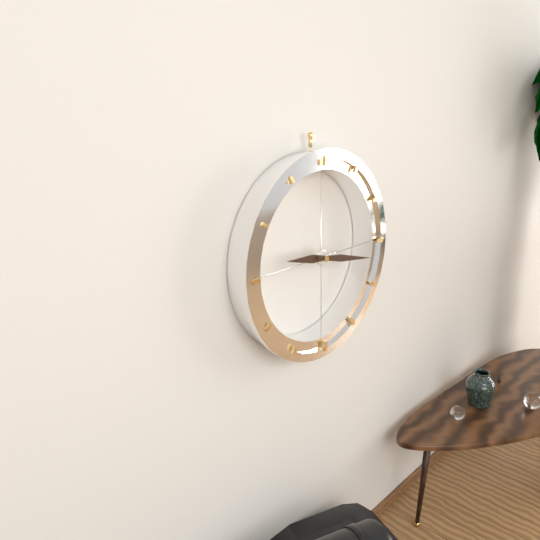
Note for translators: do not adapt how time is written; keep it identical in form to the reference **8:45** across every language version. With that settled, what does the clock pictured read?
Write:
**9:17**
